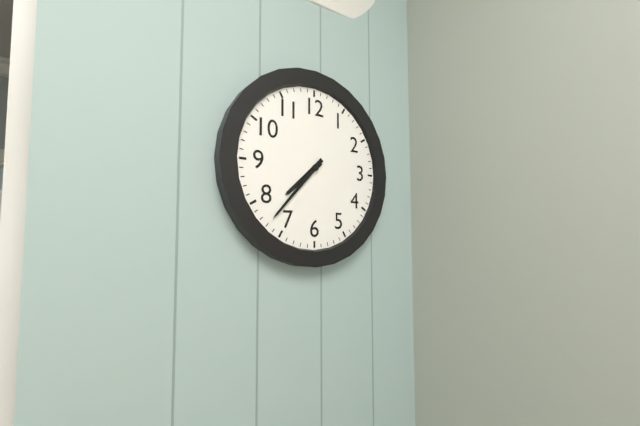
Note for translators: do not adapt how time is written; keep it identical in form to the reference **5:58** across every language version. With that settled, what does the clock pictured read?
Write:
**7:37**
